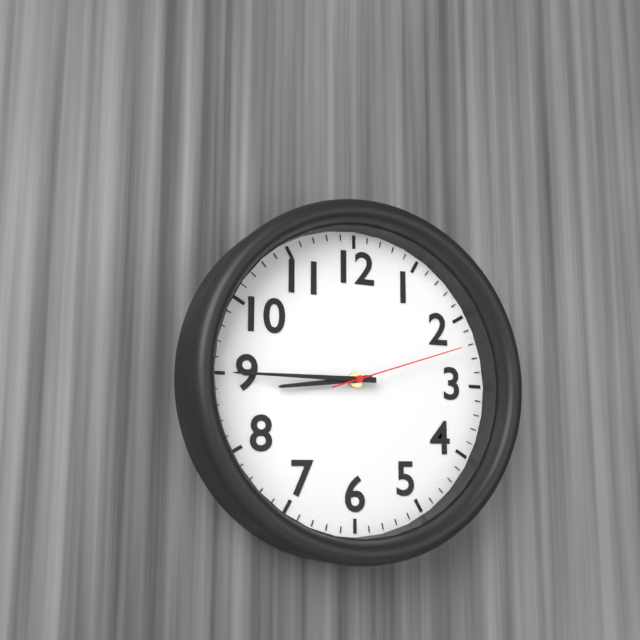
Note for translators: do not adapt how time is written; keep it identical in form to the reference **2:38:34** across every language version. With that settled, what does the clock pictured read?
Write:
**8:45:12**
